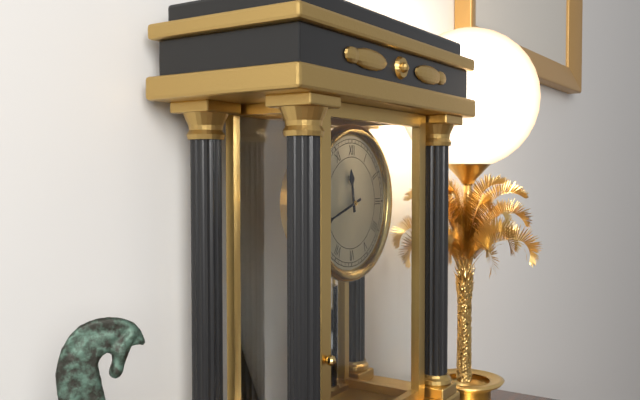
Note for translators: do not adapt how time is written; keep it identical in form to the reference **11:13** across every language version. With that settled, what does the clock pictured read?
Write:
**11:42**
